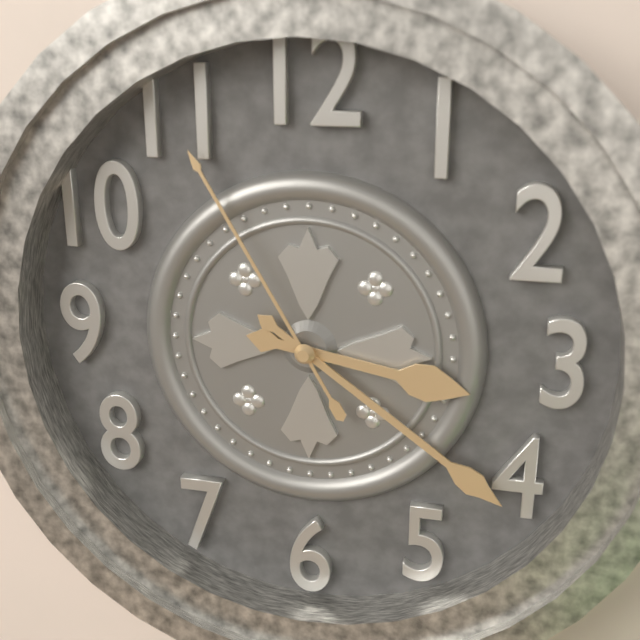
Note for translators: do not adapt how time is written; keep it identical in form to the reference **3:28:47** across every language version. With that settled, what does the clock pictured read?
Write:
**3:21:55**
